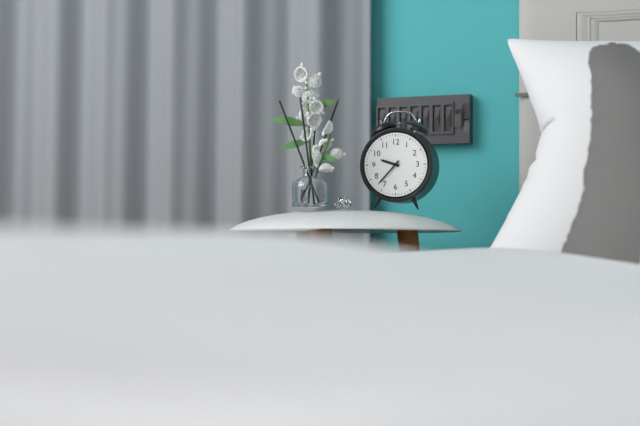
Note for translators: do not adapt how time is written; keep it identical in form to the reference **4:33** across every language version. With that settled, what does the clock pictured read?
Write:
**9:37**
